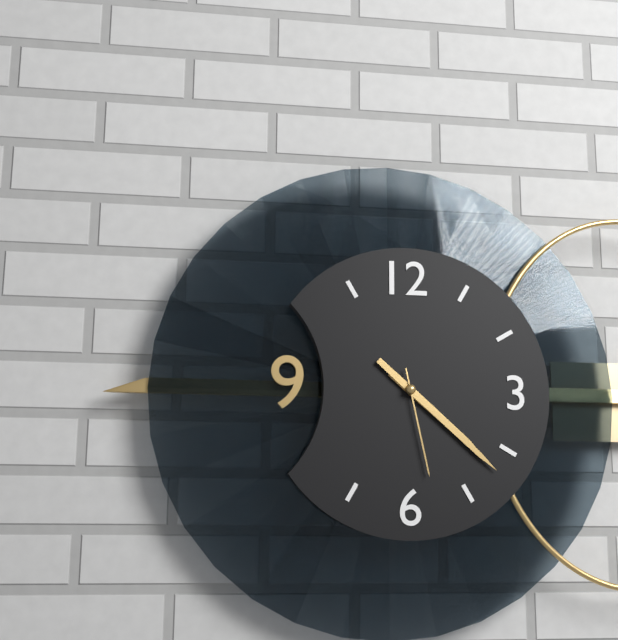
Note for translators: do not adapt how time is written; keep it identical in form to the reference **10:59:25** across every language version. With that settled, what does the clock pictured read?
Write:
**4:22:28**
